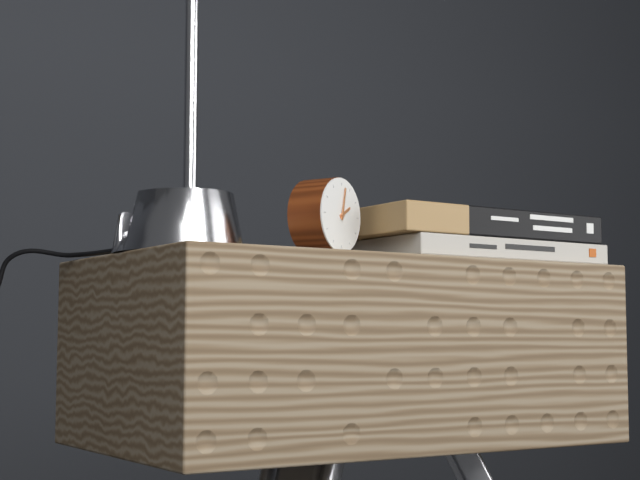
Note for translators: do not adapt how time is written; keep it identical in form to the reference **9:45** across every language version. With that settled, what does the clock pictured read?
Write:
**2:02**
